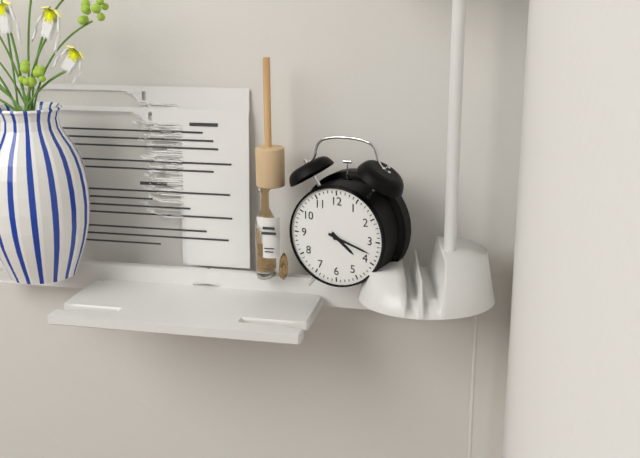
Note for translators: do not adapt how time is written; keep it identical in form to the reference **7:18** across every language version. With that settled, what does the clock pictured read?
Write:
**4:18**
